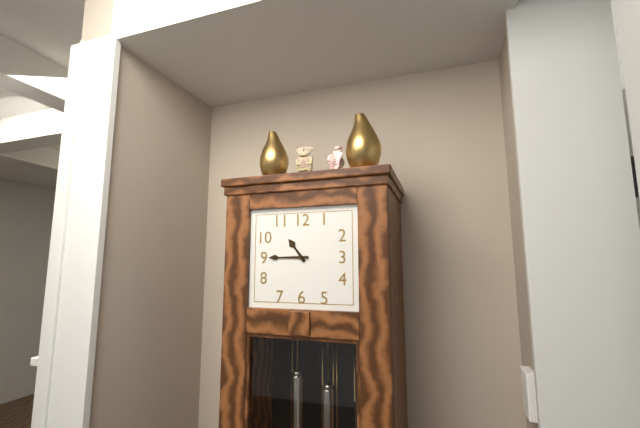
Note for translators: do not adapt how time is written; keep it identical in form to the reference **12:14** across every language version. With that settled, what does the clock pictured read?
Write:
**10:45**
